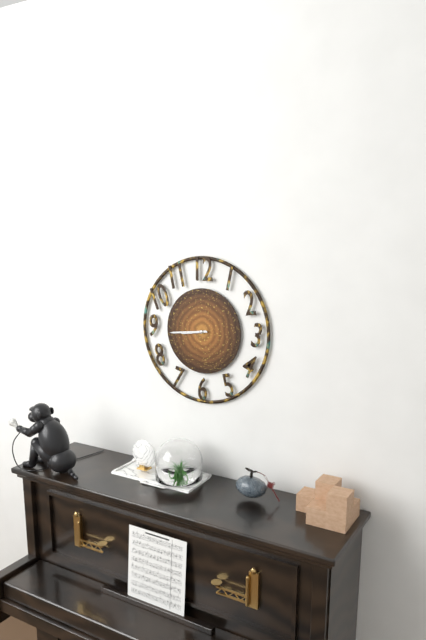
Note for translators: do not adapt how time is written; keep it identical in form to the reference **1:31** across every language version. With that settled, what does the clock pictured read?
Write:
**8:44**
